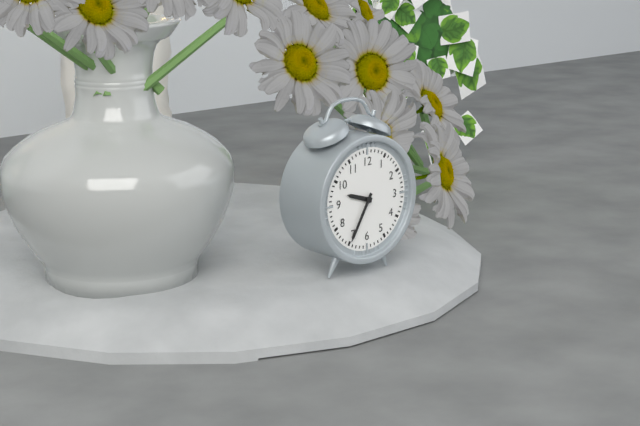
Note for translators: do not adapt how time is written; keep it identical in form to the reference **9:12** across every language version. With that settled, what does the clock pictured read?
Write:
**9:35**
